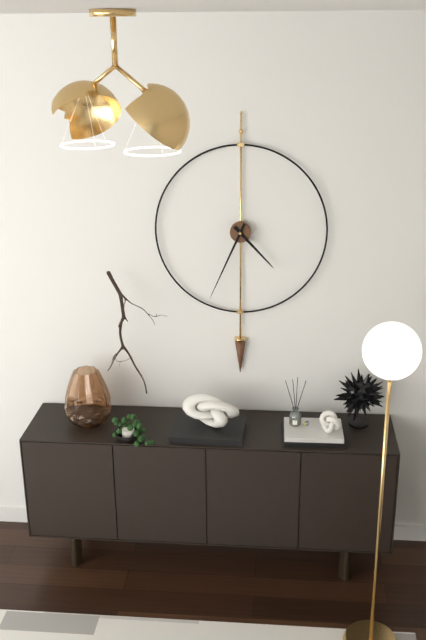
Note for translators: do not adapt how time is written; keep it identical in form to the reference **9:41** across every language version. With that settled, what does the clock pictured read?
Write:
**4:34**
